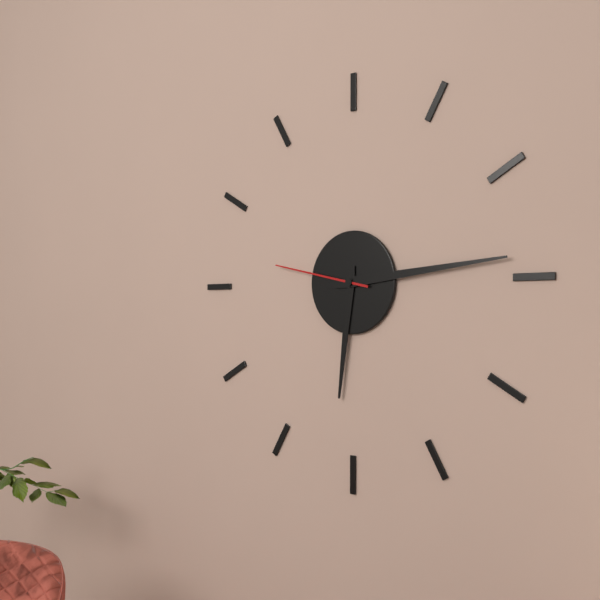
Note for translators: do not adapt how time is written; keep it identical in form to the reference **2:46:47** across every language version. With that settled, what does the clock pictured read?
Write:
**6:14:47**
